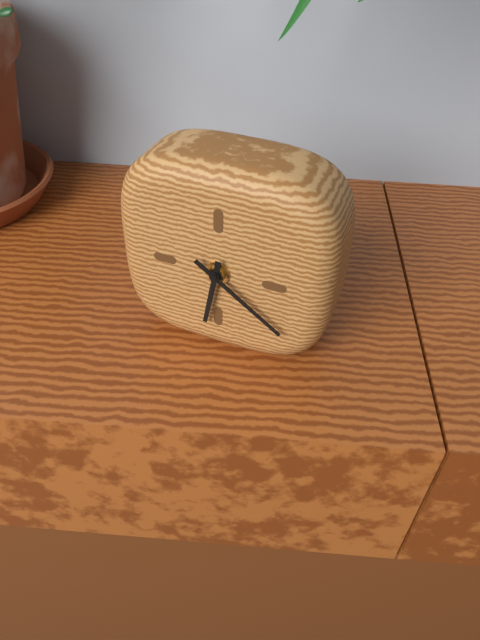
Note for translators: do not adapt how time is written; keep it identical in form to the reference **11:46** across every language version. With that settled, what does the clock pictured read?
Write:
**6:21**
